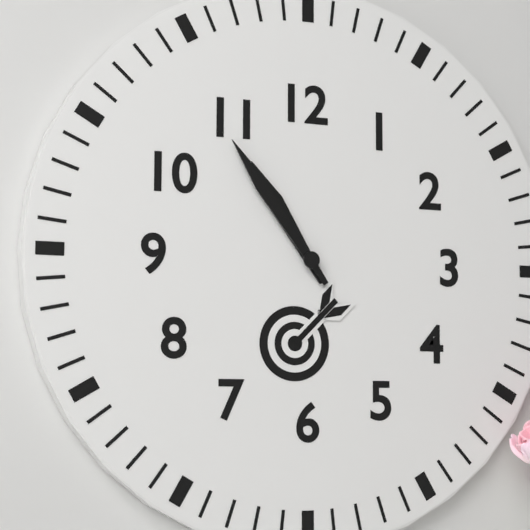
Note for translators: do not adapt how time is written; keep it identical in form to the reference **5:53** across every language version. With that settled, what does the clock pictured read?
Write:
**10:54**
